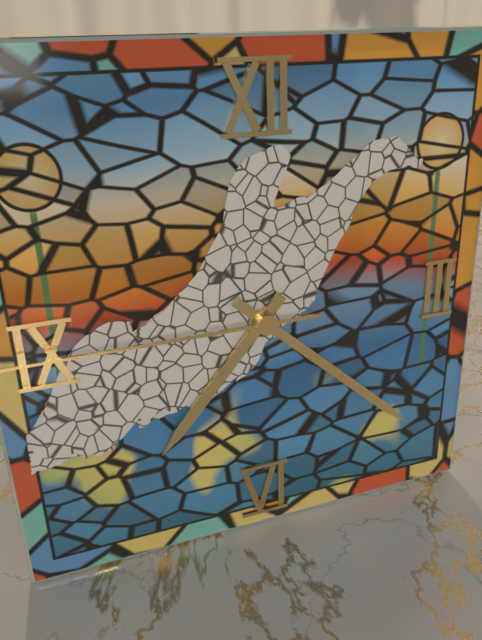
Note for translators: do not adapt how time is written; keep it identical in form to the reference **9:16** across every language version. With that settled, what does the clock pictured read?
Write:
**7:22**
